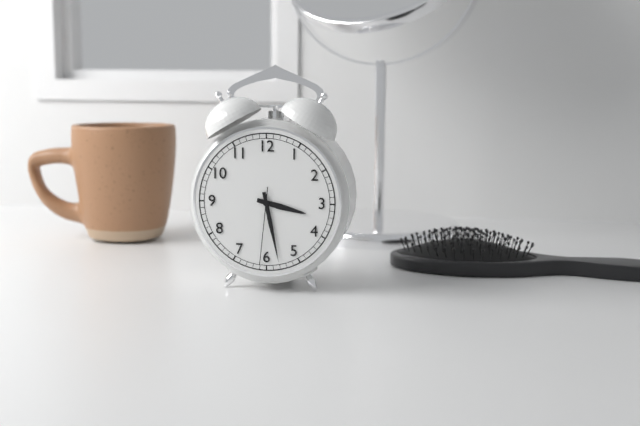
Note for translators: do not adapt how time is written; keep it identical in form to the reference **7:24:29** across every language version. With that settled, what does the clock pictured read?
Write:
**3:28:31**
